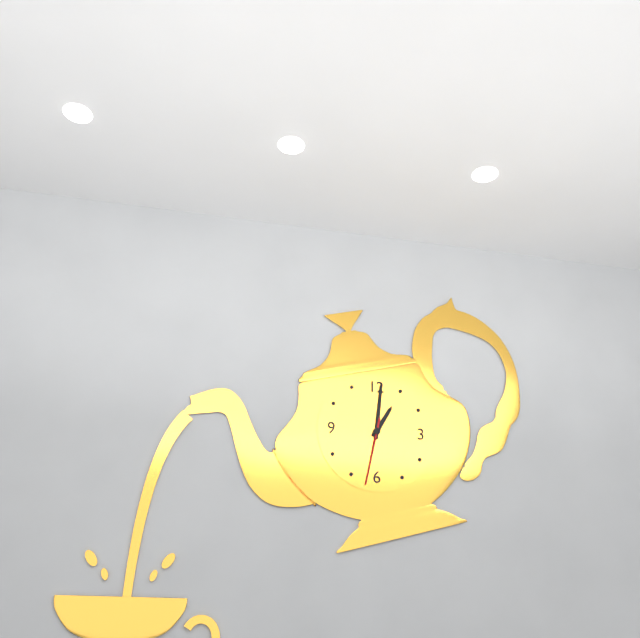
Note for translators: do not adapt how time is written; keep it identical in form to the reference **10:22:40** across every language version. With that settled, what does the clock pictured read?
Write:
**1:01:32**
